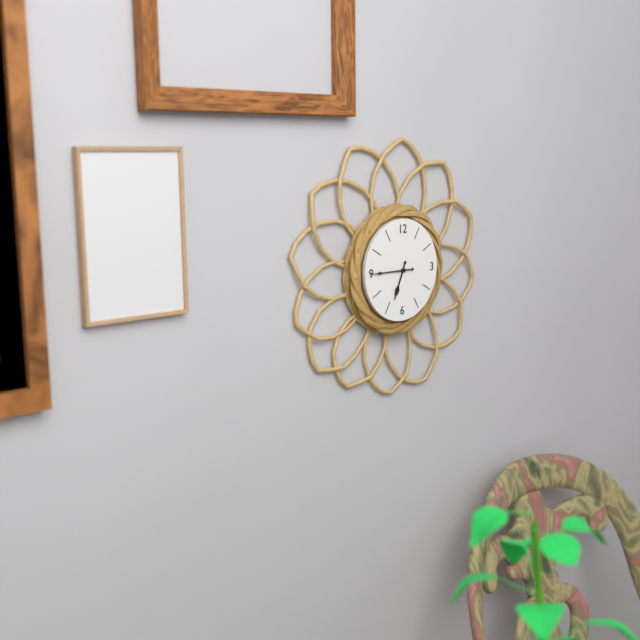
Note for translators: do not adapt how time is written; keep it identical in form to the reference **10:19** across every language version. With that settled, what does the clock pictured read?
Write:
**6:45**
